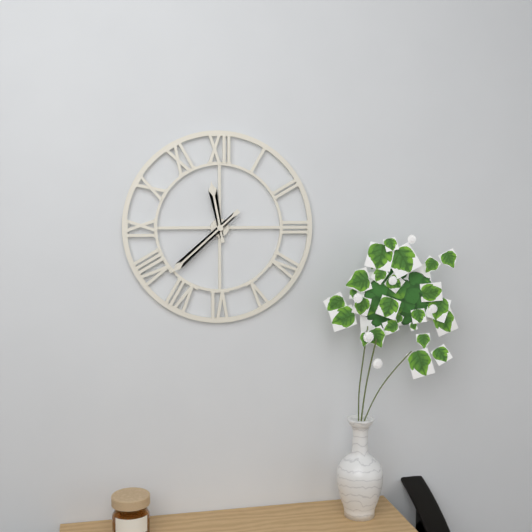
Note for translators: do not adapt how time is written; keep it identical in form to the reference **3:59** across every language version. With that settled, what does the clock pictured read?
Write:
**11:38**
